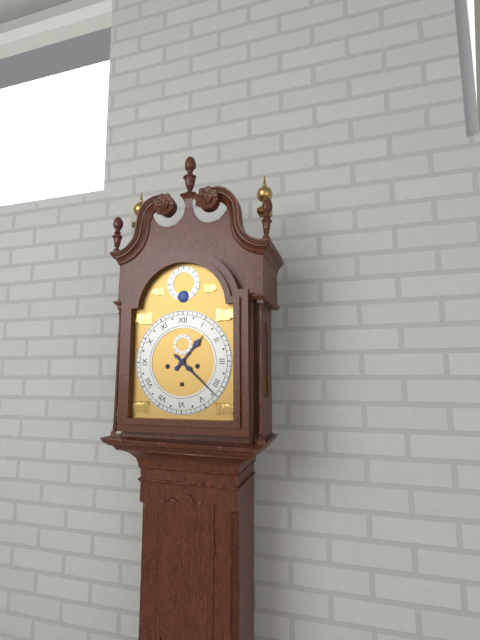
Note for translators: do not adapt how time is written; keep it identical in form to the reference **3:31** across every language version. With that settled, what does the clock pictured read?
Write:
**1:22**
